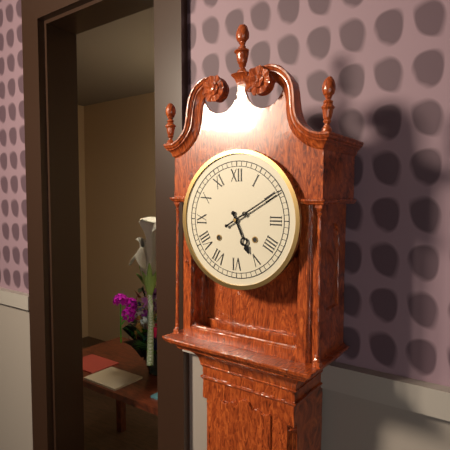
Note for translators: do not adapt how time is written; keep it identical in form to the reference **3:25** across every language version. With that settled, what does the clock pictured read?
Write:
**5:10**
